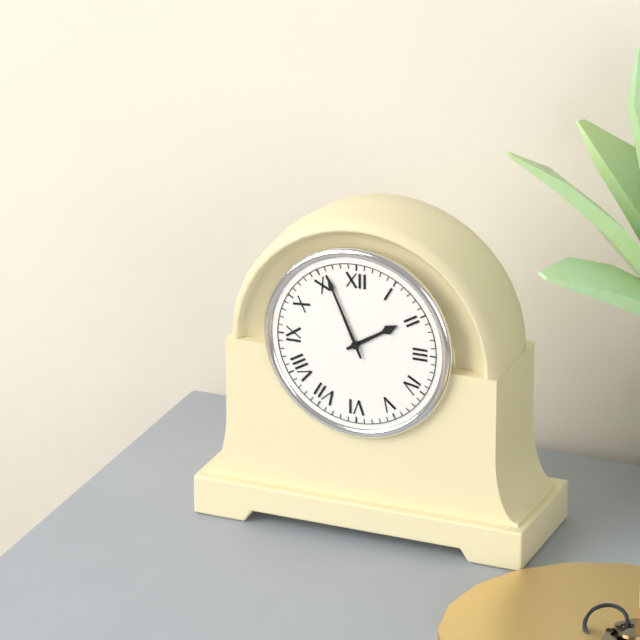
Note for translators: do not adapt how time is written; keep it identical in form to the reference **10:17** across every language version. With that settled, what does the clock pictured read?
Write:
**1:56**
